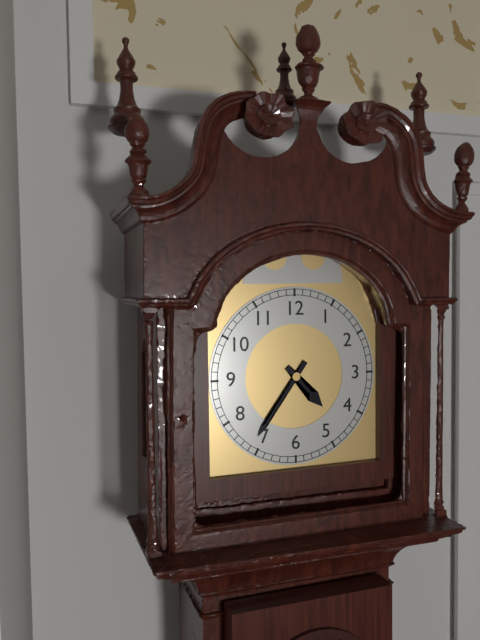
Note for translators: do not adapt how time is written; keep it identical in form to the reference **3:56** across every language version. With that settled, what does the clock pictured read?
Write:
**4:36**
